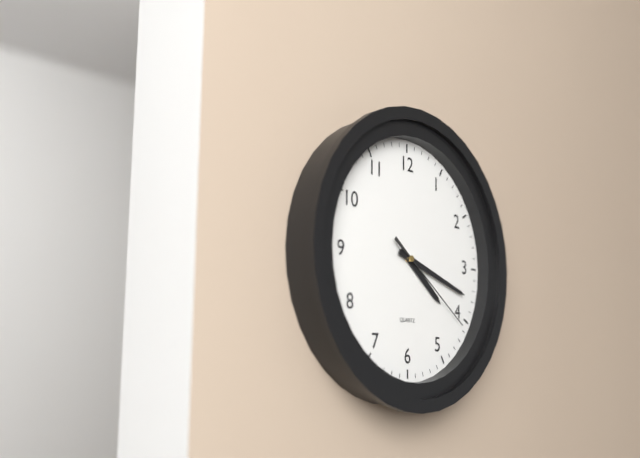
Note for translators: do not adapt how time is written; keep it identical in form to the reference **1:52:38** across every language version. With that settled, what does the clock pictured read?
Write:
**4:18:21**
